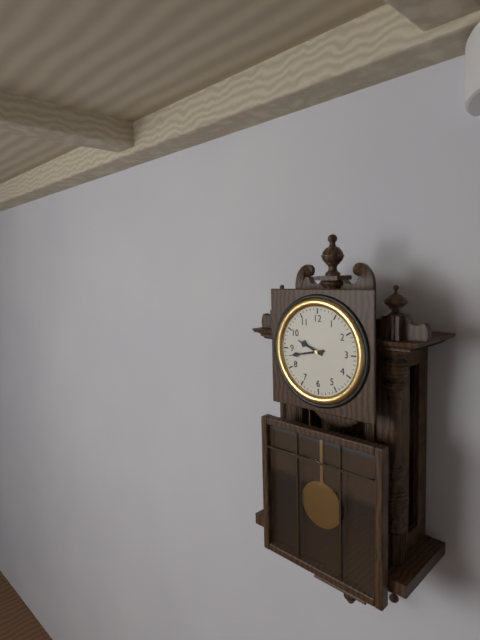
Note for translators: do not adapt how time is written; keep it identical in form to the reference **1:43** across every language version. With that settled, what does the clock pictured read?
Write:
**9:43**
